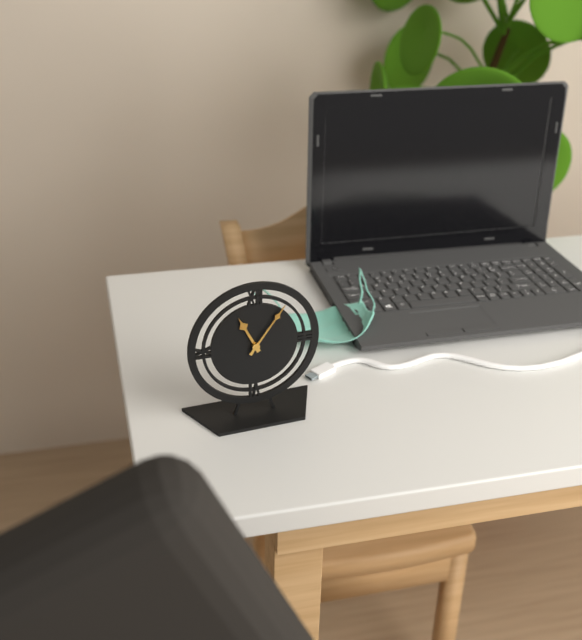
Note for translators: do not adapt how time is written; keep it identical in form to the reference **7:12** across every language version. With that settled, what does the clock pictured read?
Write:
**11:06**
